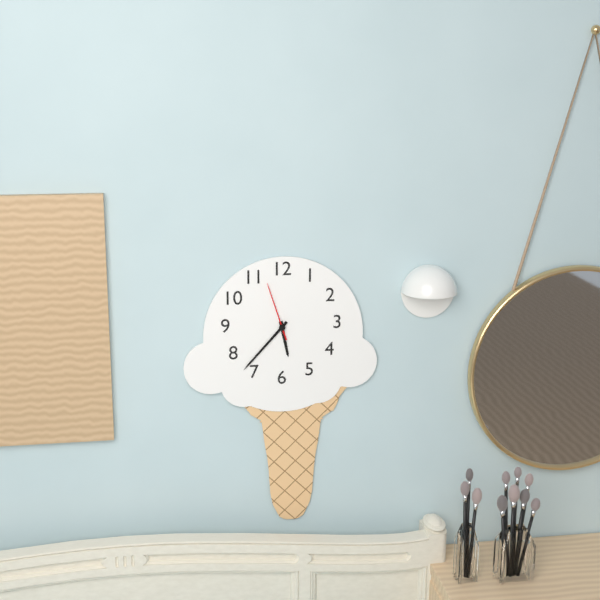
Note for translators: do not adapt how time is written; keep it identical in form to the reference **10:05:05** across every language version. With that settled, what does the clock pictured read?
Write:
**5:37:57**
